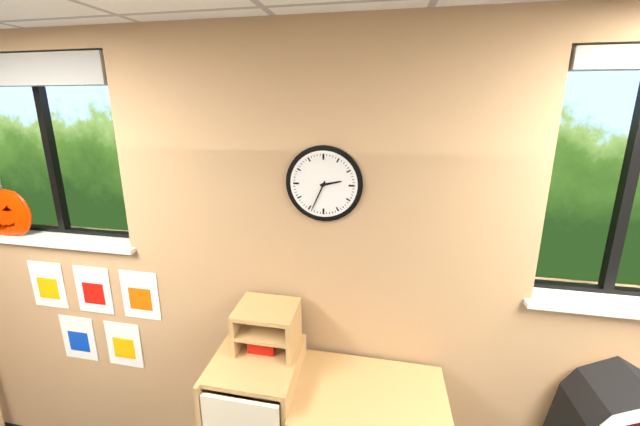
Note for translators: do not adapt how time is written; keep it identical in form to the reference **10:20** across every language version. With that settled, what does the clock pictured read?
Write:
**2:34**
